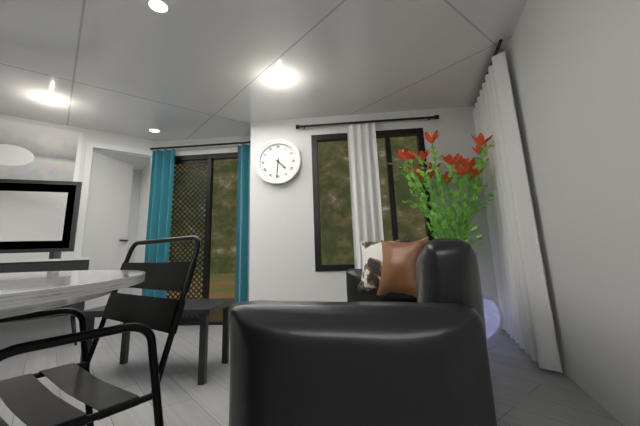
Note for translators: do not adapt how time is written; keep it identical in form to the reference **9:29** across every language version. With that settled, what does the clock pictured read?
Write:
**4:31**
